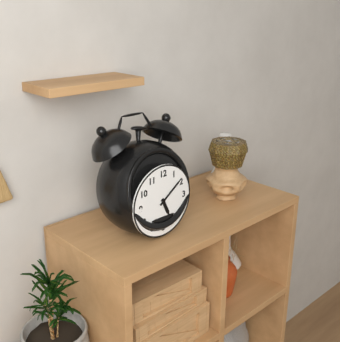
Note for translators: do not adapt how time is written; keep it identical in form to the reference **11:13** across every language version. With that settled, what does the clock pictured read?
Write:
**5:09**
